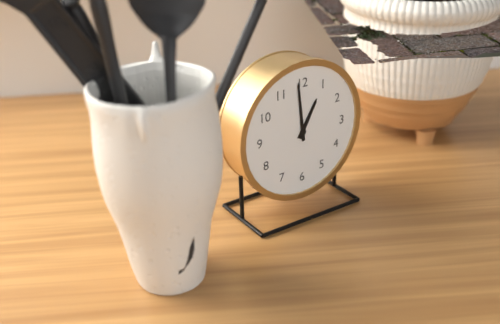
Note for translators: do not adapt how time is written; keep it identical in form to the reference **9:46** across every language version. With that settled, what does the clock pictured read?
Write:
**12:59**
